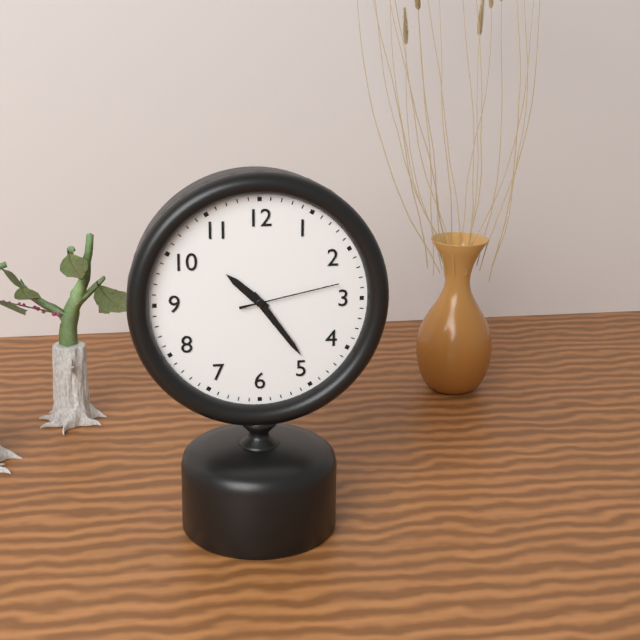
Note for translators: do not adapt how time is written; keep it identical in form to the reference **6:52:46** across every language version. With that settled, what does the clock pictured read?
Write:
**10:24:13**
